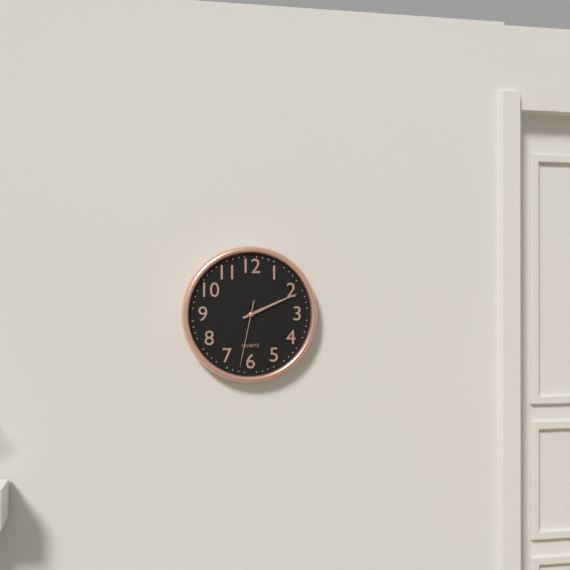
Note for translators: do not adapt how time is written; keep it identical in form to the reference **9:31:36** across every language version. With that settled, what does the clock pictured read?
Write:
**2:11:32**
